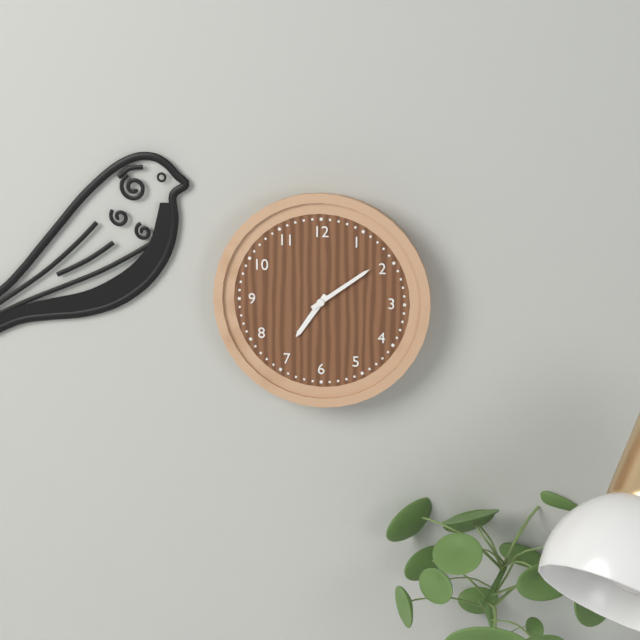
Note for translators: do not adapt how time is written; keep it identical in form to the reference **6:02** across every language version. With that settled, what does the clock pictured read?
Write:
**7:09**
